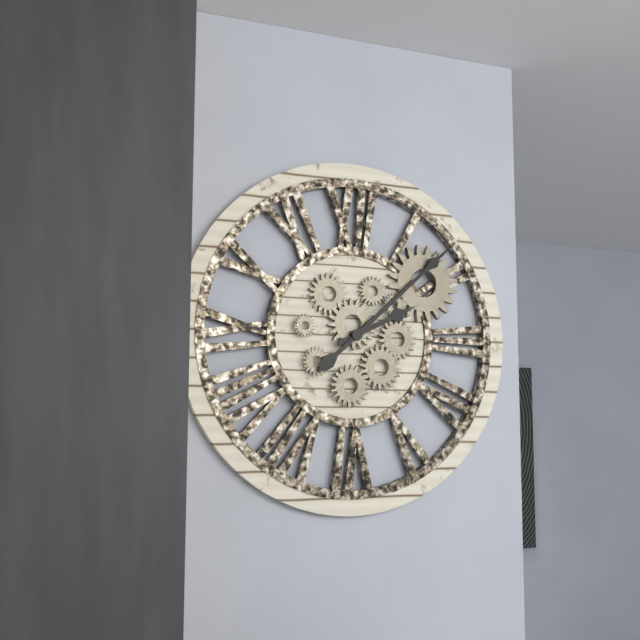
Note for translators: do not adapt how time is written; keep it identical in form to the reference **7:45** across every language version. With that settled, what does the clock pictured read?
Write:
**2:08**
